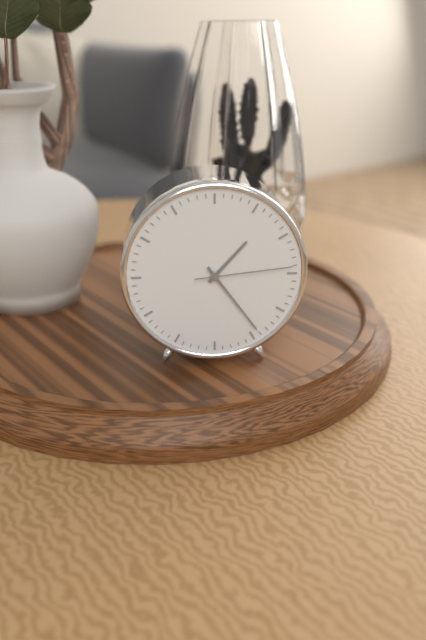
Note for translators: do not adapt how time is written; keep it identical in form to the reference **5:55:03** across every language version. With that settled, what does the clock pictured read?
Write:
**1:24:14**
